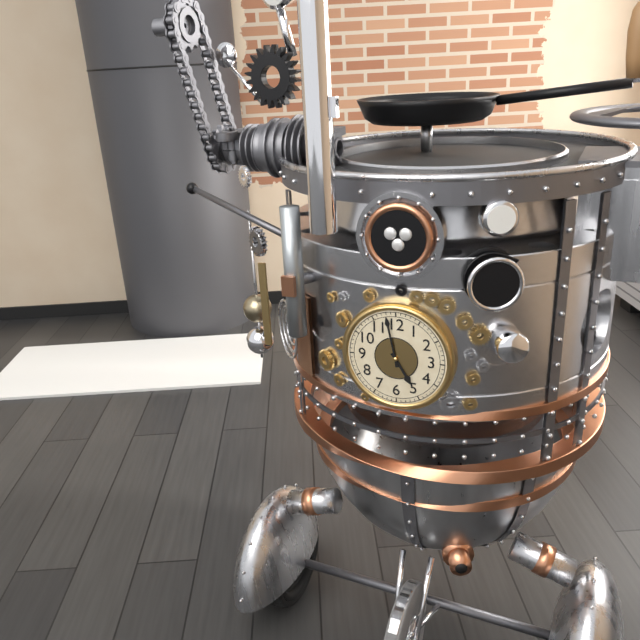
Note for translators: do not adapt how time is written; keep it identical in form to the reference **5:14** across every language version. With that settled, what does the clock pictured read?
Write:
**4:58**
